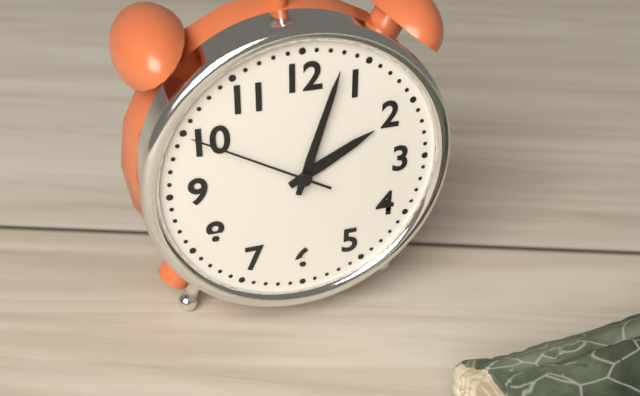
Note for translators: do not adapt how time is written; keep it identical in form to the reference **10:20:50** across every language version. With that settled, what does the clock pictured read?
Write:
**2:03:50**
